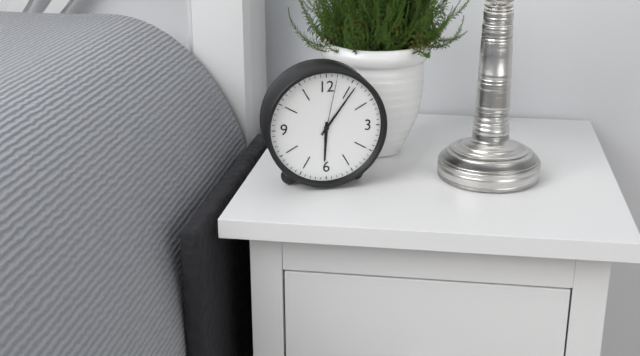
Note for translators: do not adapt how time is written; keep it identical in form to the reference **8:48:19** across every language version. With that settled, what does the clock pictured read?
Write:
**6:06:02**
